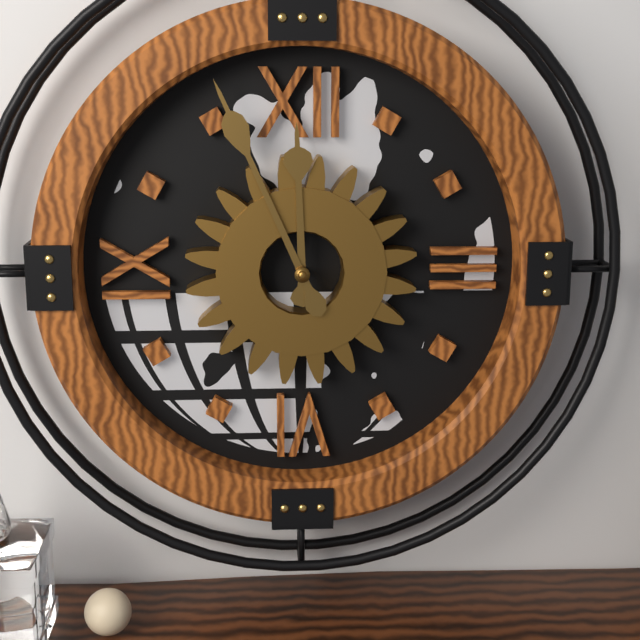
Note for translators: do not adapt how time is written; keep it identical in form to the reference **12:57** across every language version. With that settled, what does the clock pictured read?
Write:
**11:56**
